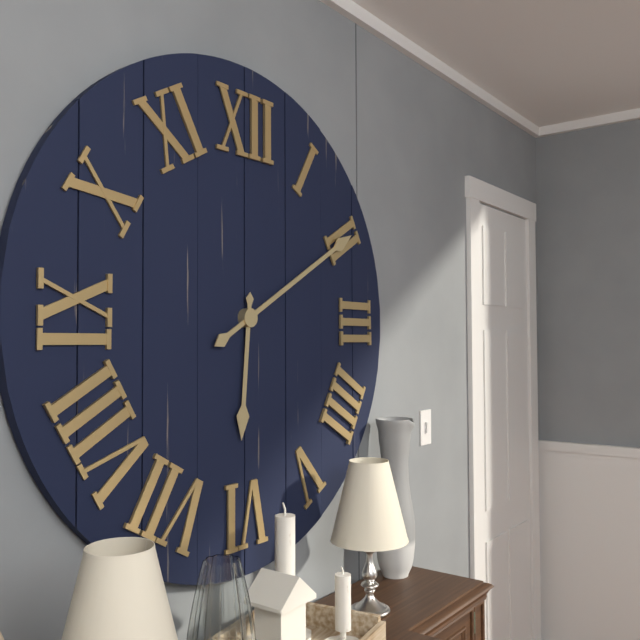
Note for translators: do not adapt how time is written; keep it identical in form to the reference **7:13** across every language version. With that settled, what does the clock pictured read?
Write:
**6:10**
